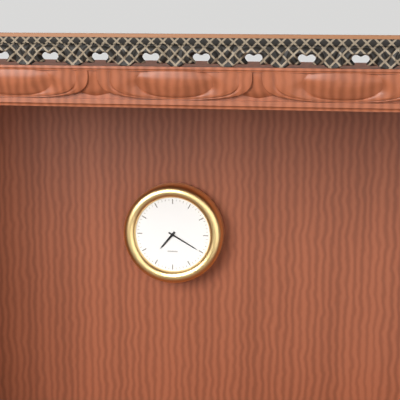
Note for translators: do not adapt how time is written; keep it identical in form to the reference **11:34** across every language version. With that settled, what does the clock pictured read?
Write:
**7:20**
